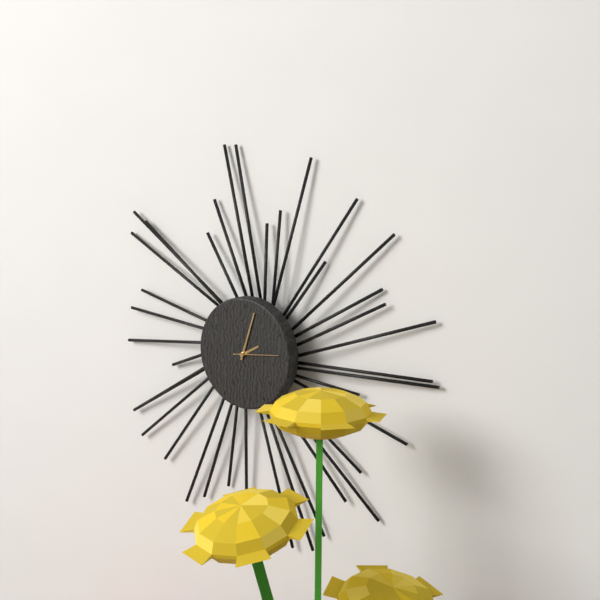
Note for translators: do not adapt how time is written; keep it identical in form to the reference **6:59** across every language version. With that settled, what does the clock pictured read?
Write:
**2:03**
